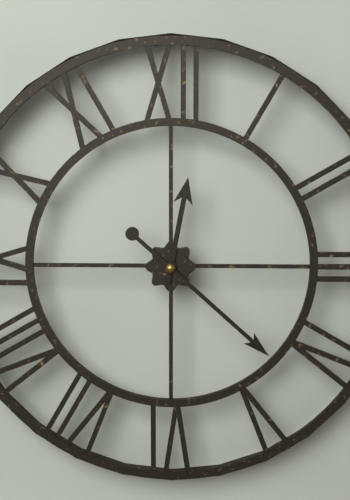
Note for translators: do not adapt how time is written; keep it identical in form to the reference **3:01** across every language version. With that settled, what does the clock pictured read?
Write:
**12:22**
